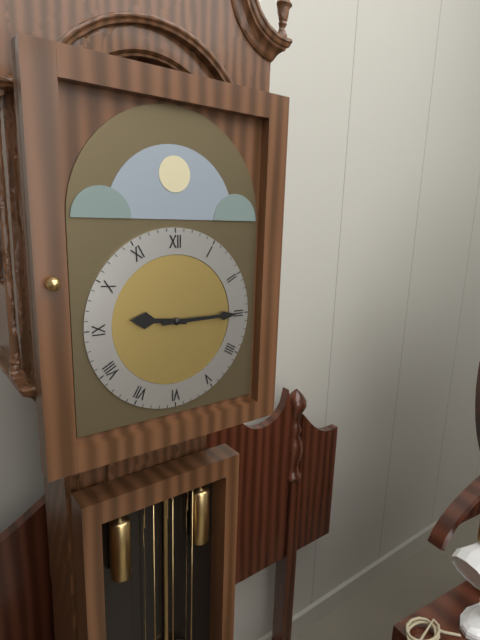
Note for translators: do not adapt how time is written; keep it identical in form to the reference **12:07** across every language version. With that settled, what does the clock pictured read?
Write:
**9:15**
